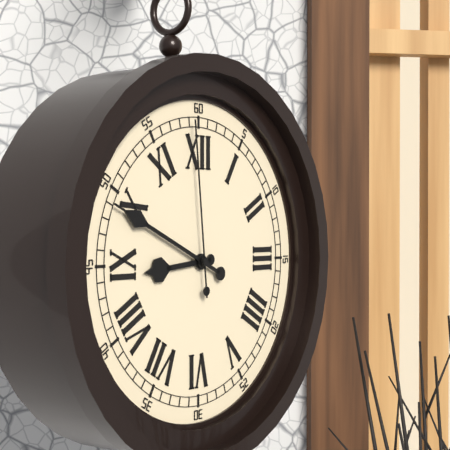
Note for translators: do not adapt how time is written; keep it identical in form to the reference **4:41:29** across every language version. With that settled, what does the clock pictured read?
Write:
**8:49:59**
